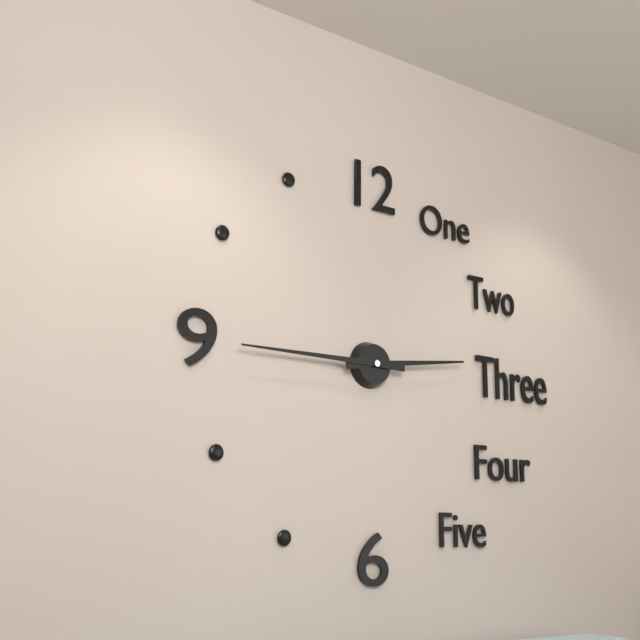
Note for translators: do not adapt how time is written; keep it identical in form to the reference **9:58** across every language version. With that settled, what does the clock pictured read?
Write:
**2:45**
